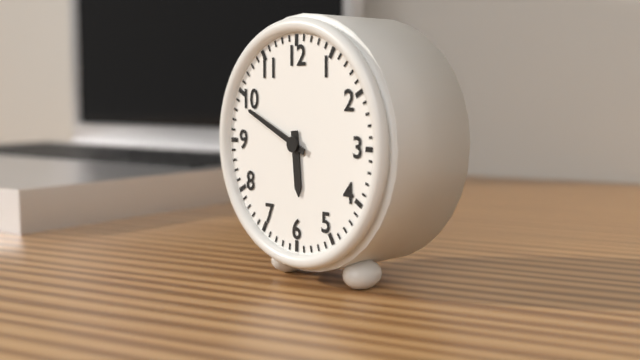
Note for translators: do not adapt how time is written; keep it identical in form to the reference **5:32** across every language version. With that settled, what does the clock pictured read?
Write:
**5:49**
